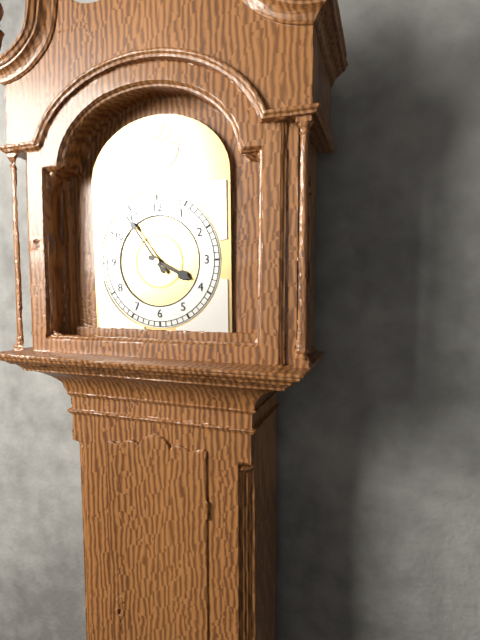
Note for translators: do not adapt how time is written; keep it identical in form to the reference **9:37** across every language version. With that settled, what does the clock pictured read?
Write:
**3:54**
